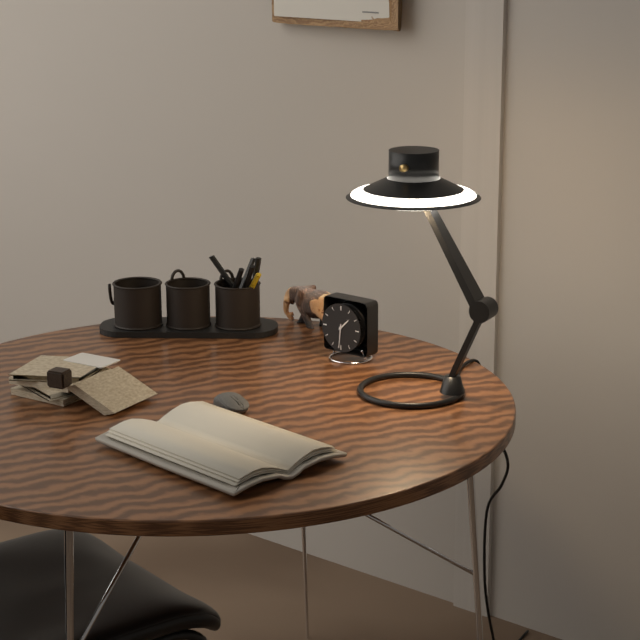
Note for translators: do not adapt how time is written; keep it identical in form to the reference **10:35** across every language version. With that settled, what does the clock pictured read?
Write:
**1:31**
